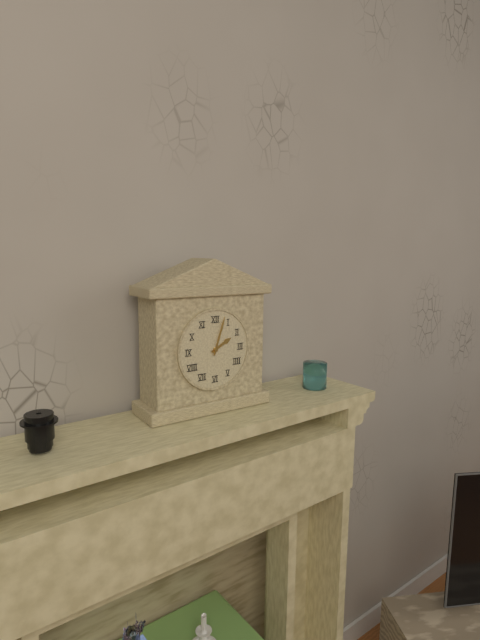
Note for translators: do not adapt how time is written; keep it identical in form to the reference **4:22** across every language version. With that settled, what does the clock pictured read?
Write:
**2:03**
